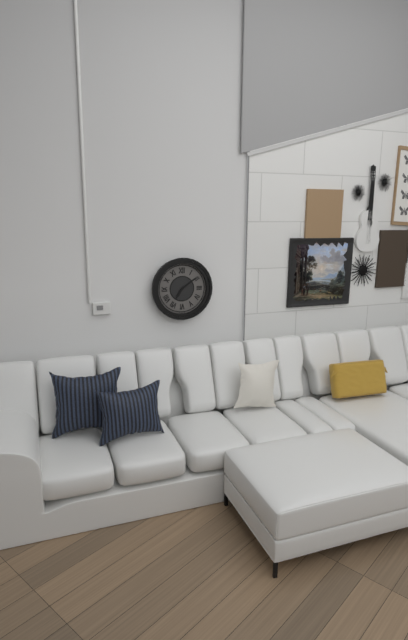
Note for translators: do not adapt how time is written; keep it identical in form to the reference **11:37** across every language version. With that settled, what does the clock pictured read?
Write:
**7:09**
